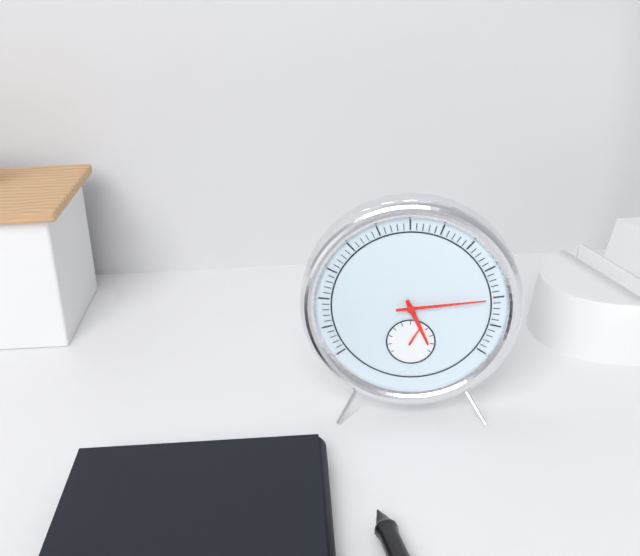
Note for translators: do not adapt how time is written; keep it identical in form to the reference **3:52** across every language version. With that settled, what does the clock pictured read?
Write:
**5:14**
